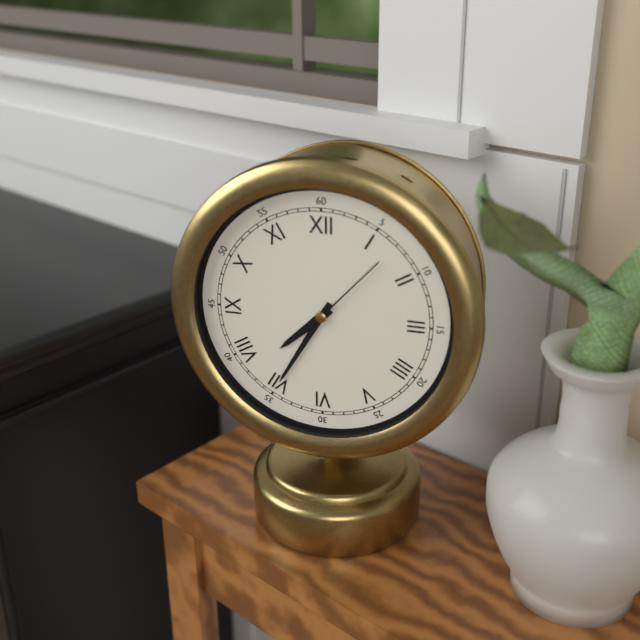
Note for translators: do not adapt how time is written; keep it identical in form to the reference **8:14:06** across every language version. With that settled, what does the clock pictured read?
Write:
**7:35:07**
